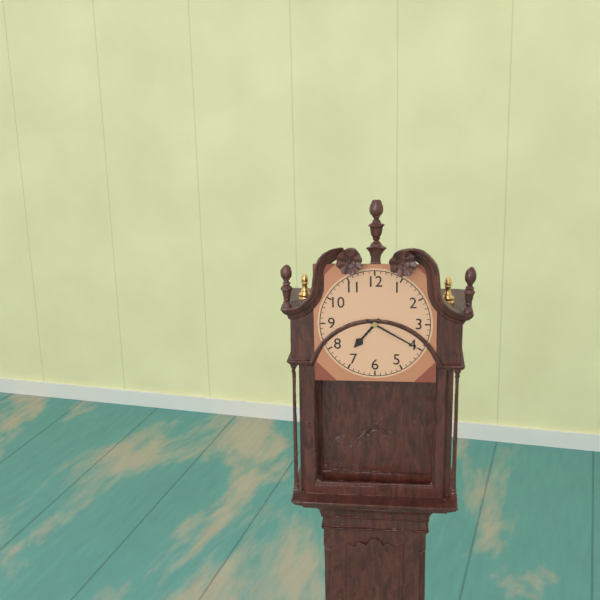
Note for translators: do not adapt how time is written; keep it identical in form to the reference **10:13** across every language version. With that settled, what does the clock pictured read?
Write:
**7:20**
